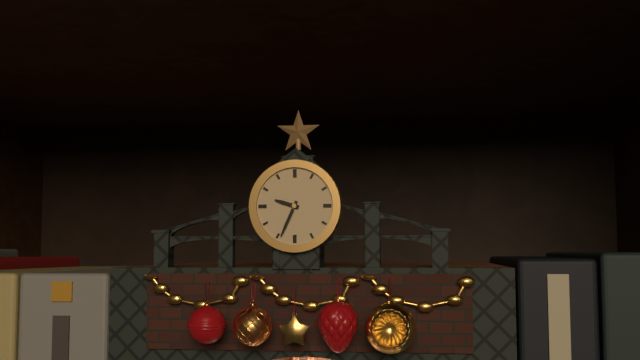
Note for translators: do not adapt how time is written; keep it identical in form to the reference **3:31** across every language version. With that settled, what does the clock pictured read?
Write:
**9:34**
